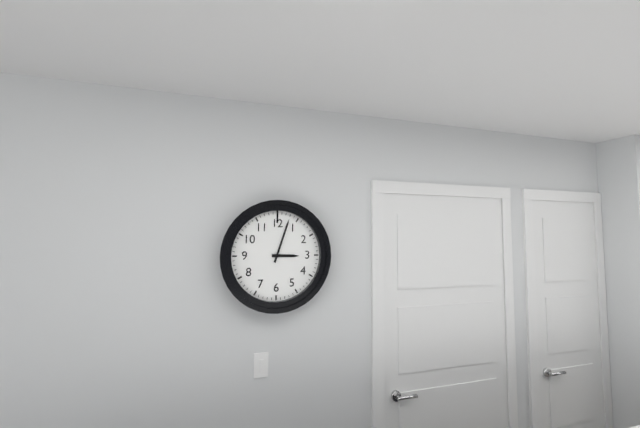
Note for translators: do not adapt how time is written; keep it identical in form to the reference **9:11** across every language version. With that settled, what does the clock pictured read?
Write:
**3:03**
